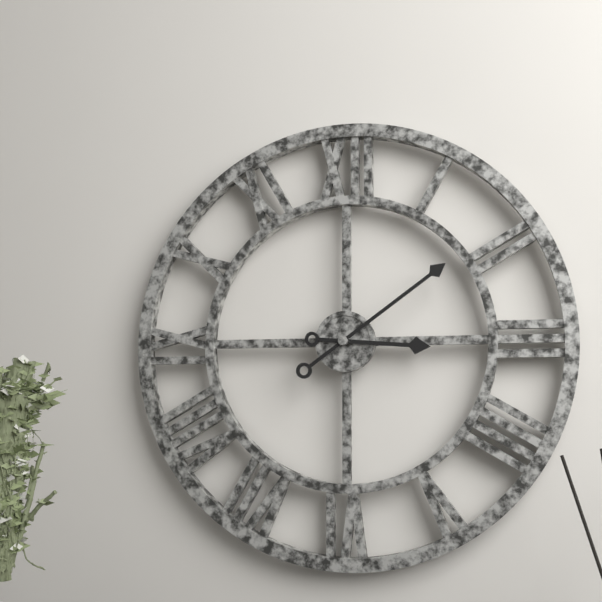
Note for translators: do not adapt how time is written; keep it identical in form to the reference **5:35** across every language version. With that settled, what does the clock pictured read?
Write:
**3:09**
